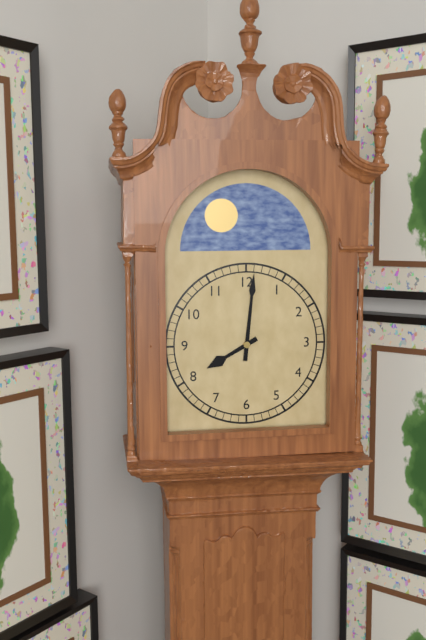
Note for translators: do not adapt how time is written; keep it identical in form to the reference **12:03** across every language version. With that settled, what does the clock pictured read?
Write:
**8:01**
